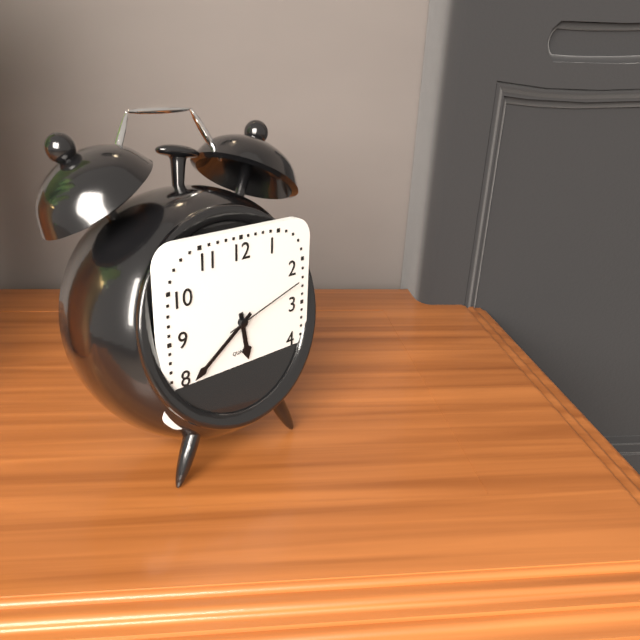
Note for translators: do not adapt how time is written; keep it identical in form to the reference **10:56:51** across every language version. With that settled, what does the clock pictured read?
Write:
**5:39:12**
